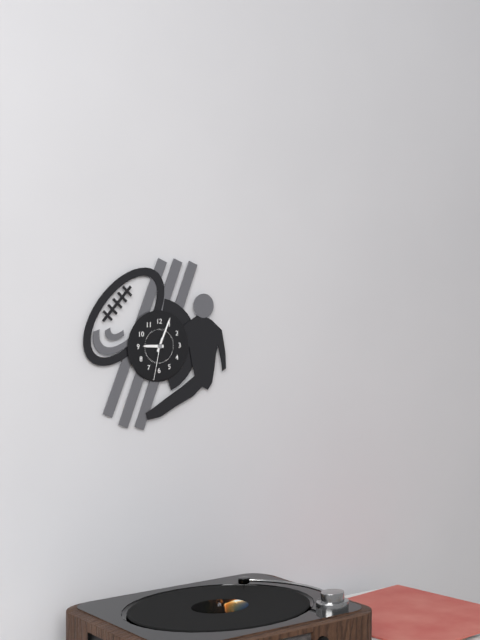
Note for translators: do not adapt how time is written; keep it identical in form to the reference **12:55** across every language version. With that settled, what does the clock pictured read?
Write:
**9:04**
